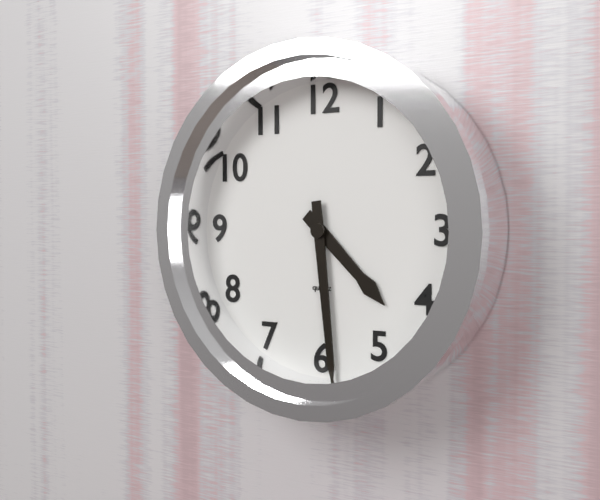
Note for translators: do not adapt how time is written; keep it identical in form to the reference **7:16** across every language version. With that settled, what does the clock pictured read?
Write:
**4:29**
